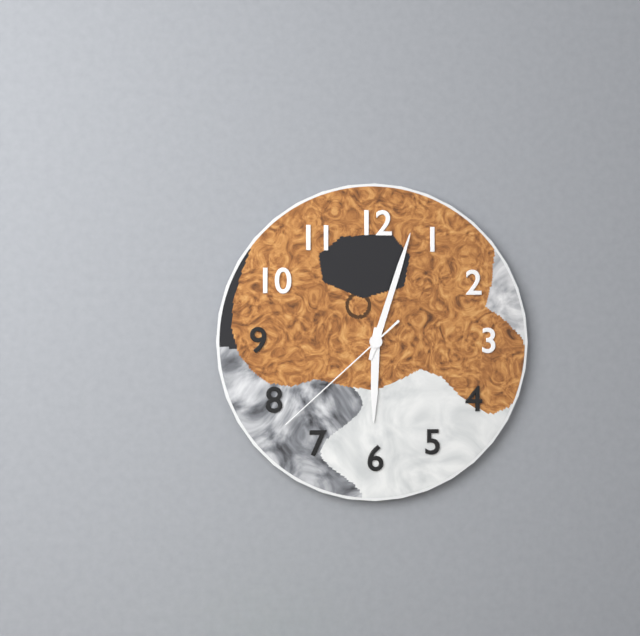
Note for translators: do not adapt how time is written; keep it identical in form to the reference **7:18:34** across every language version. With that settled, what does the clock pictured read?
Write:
**6:03:38**
